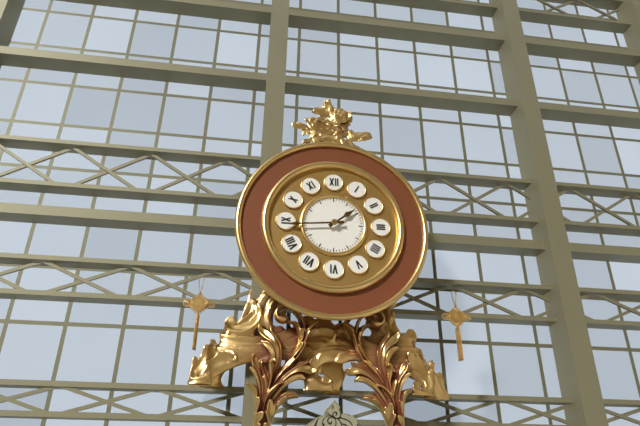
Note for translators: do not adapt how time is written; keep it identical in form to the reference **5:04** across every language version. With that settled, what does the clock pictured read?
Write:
**1:44**
